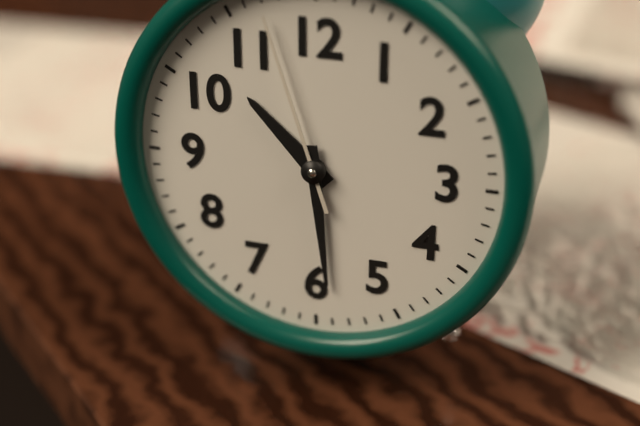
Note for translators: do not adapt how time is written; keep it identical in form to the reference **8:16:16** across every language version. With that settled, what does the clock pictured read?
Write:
**10:29:57**
